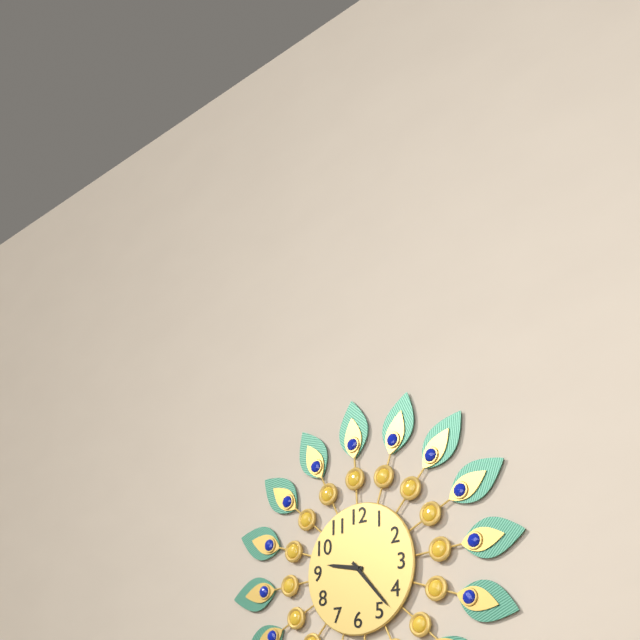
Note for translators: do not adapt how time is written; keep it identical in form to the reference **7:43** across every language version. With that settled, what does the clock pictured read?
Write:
**9:23**
